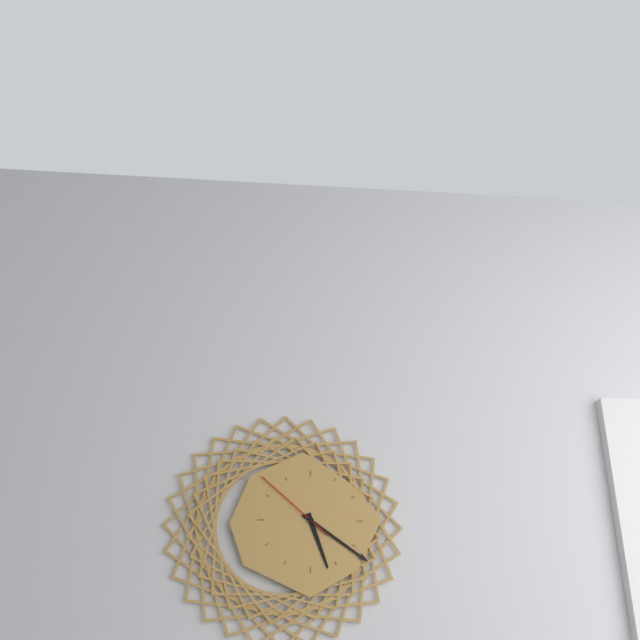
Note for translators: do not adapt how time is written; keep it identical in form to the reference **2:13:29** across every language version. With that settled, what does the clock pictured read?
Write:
**5:21:52**
